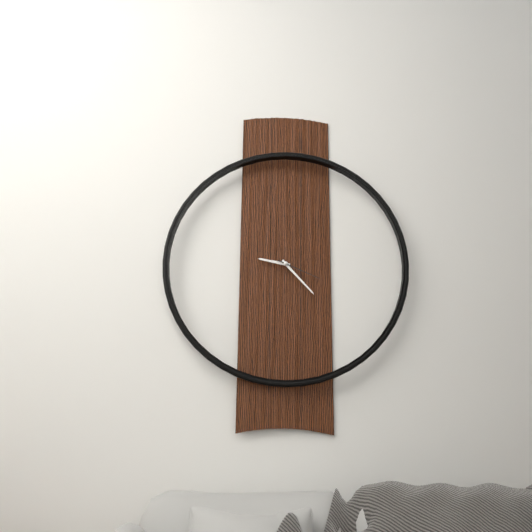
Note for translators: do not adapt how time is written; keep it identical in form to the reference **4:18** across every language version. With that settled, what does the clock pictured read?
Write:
**9:23**
